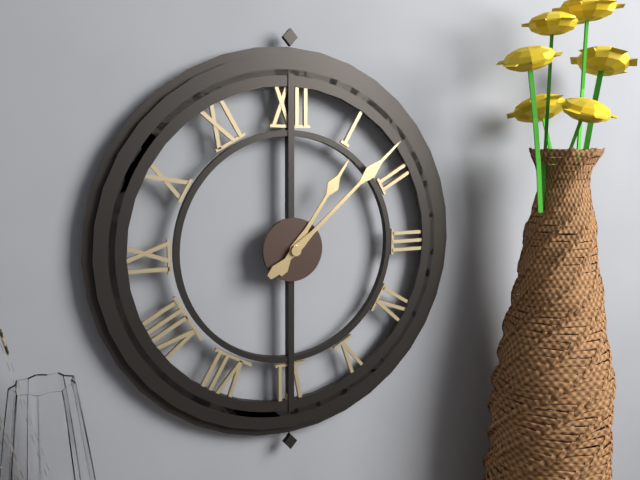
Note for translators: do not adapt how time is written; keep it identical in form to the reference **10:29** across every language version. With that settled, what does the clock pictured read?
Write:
**1:08**
